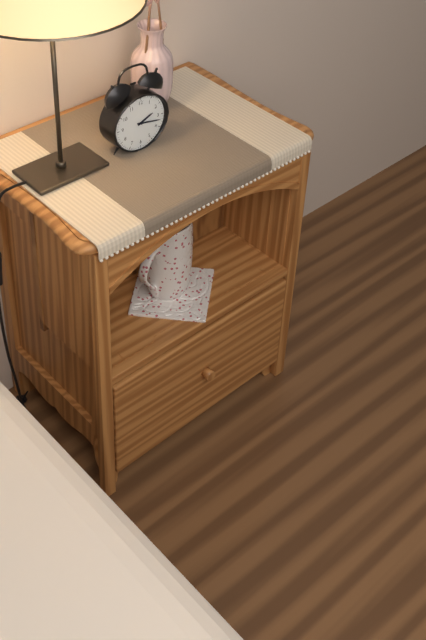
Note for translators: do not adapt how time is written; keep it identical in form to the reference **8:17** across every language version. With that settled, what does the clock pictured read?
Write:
**2:17**
